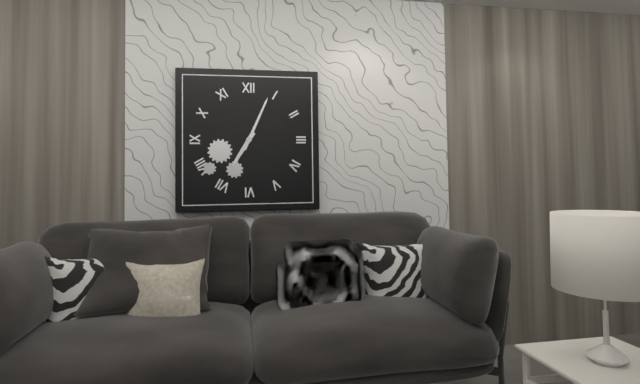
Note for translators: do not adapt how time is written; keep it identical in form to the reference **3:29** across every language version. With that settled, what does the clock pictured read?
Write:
**7:04**
